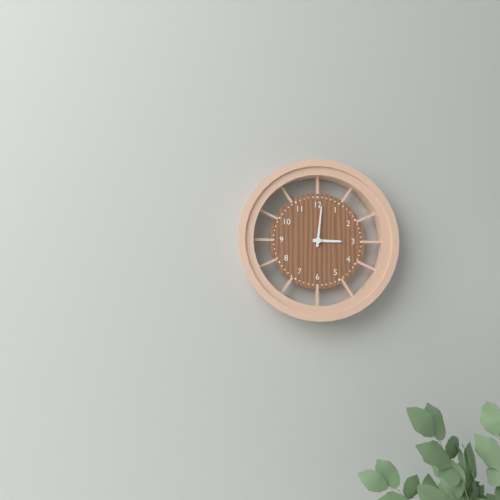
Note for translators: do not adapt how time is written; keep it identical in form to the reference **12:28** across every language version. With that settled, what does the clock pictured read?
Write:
**3:01**
